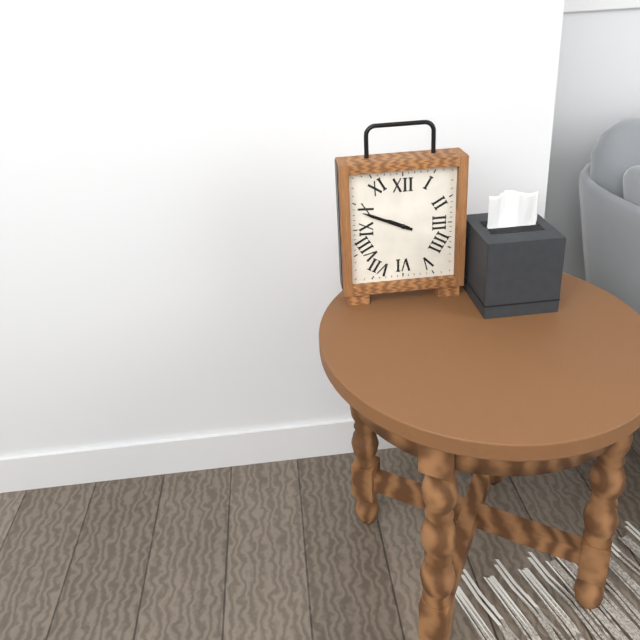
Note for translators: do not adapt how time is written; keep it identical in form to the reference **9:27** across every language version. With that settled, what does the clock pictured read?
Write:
**9:49**
